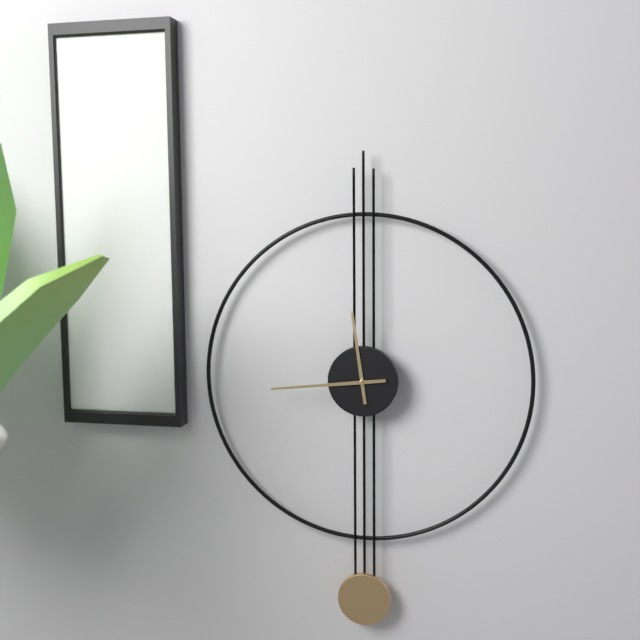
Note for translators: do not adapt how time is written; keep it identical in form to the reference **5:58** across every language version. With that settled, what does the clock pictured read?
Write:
**11:44**
